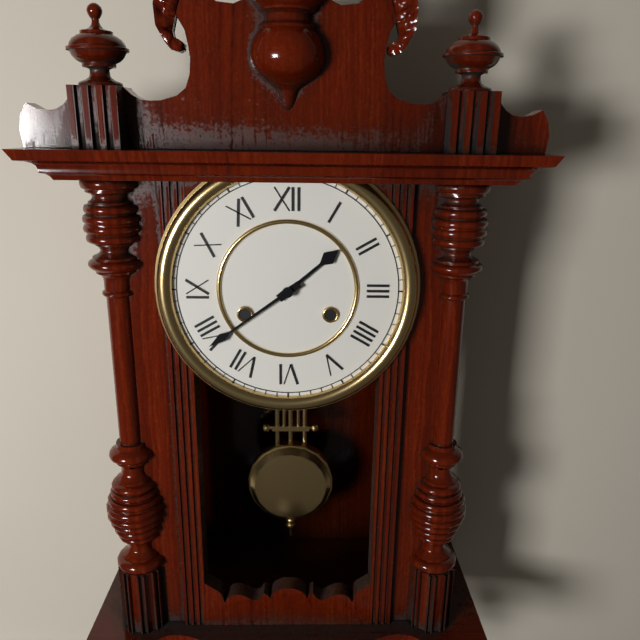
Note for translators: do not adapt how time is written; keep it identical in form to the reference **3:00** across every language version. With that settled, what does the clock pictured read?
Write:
**1:39**
